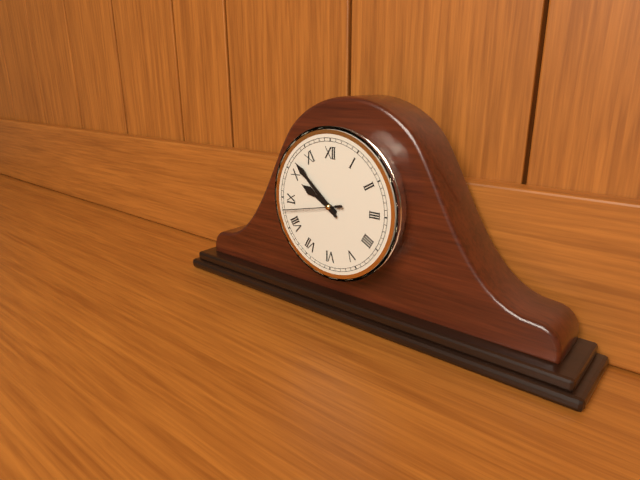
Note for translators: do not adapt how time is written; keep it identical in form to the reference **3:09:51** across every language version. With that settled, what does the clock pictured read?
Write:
**9:52:43**
